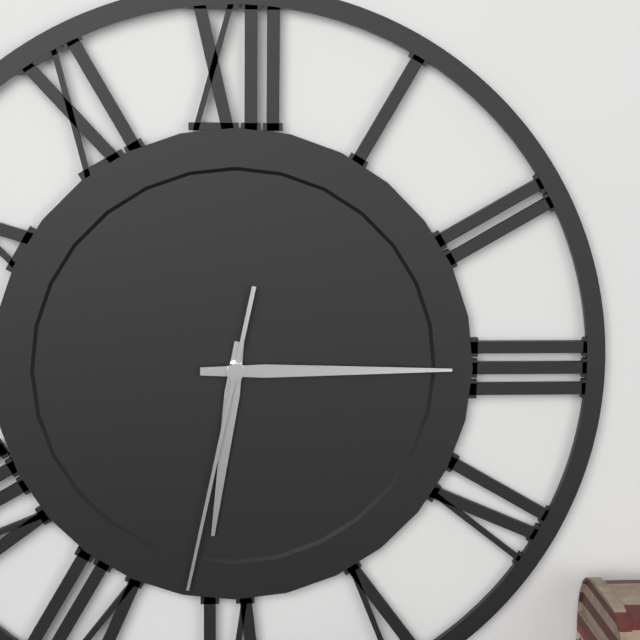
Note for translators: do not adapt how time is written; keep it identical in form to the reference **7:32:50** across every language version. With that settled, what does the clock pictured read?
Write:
**6:15:32**
